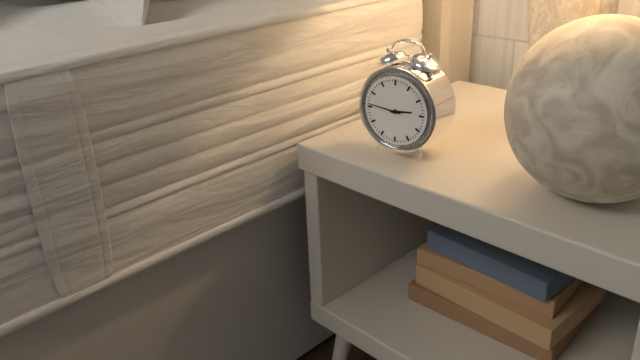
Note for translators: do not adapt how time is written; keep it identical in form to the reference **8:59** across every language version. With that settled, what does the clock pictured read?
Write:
**2:46**
